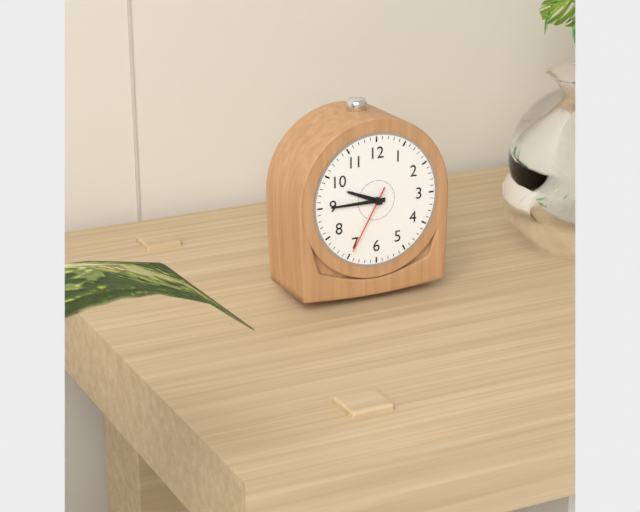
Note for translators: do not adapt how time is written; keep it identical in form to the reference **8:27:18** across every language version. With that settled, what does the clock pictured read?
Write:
**9:45:35**
